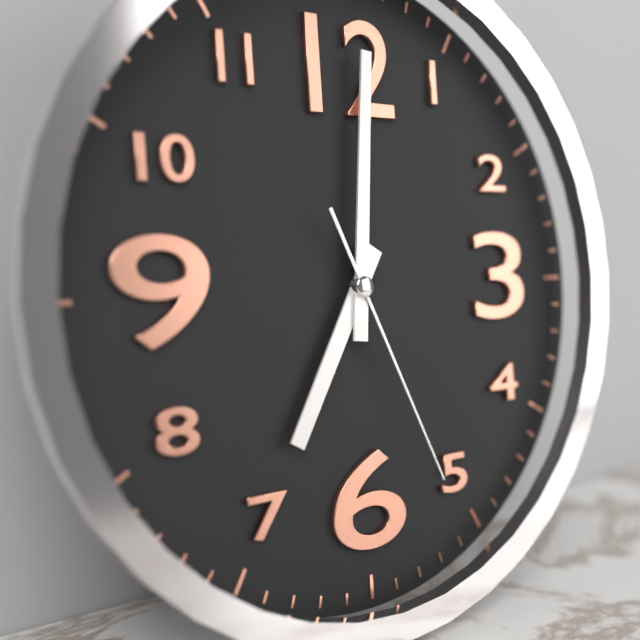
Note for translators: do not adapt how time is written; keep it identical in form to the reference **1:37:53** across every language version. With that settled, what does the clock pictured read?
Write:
**7:01:26**
